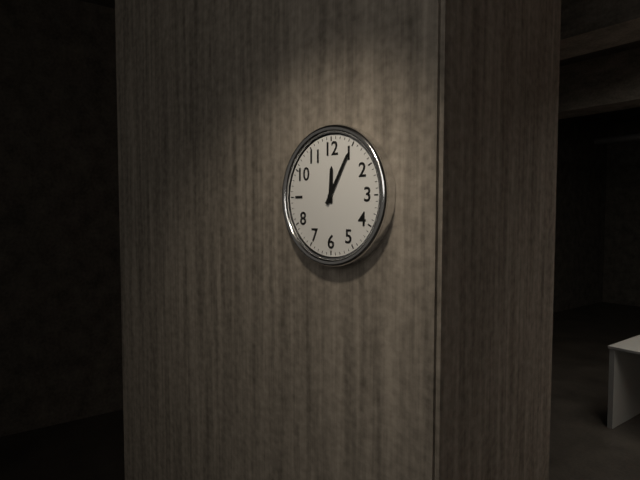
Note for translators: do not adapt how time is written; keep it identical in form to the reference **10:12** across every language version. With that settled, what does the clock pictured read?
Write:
**12:05**
